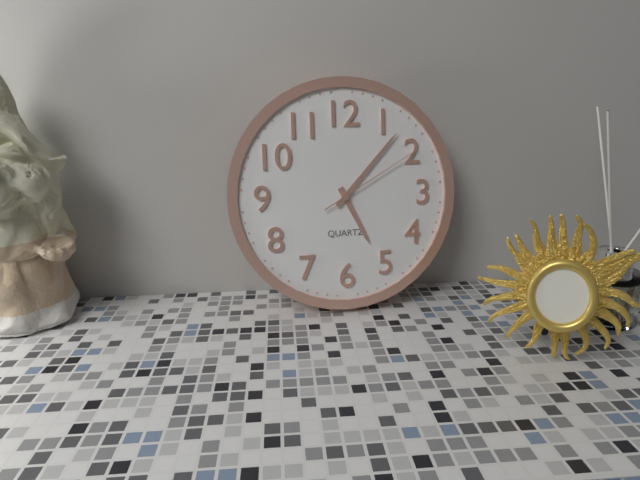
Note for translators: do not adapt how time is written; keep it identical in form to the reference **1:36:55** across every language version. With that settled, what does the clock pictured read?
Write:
**5:07:10**
